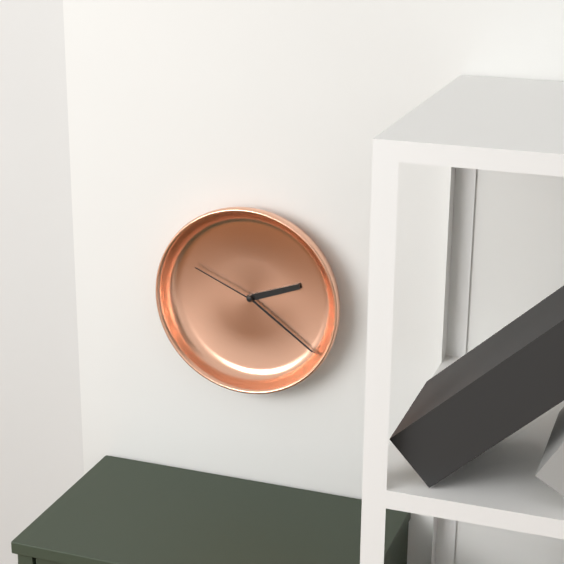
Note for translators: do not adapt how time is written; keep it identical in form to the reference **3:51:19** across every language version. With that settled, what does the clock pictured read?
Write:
**2:21:49**
